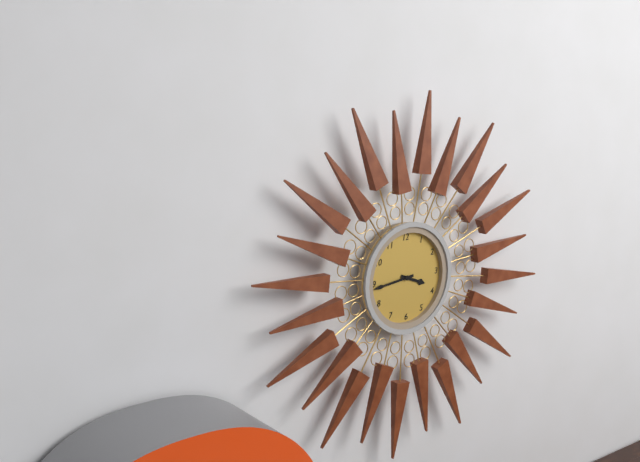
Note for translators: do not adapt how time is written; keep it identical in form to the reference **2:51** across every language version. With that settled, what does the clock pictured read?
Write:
**3:44**
